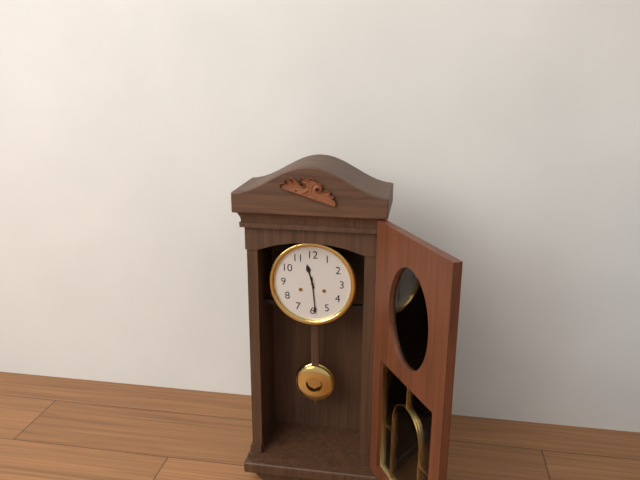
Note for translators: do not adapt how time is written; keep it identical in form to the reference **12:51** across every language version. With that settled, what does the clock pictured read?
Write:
**11:29**
